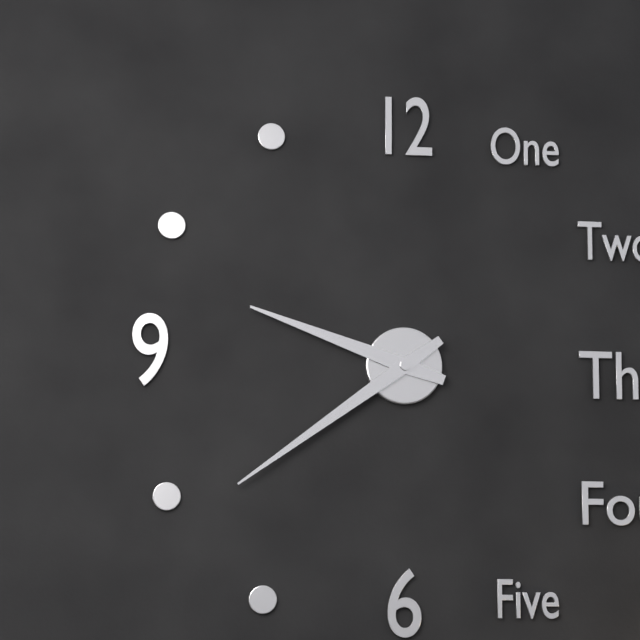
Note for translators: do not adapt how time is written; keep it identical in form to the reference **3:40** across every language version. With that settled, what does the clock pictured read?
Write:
**9:39**
